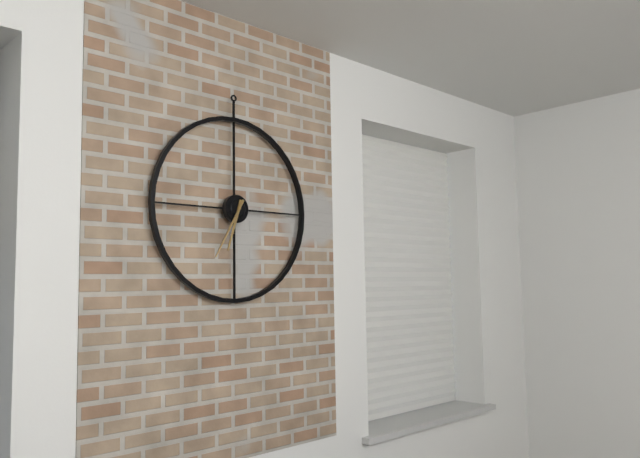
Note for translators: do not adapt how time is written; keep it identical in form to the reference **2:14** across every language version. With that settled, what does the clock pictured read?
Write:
**6:35**
